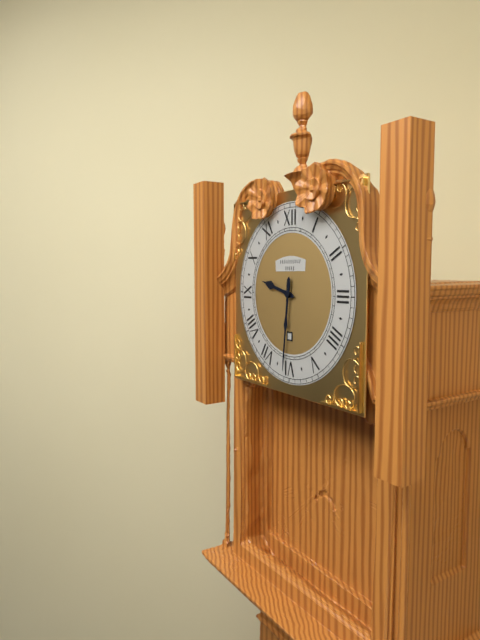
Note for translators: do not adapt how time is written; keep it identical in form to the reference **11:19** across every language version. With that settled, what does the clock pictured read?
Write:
**9:31**
